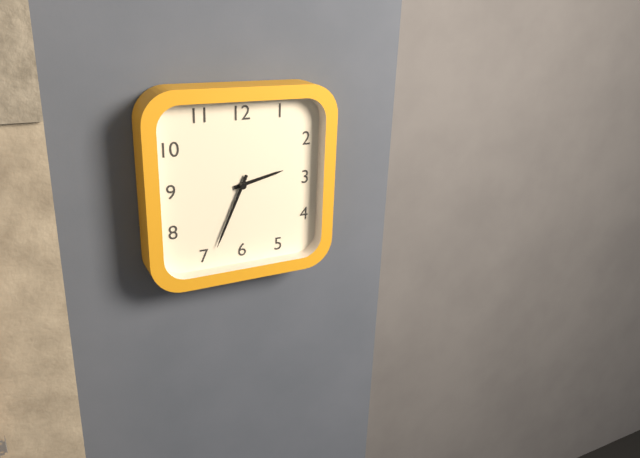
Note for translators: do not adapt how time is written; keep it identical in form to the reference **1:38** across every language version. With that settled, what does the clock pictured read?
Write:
**2:34**
